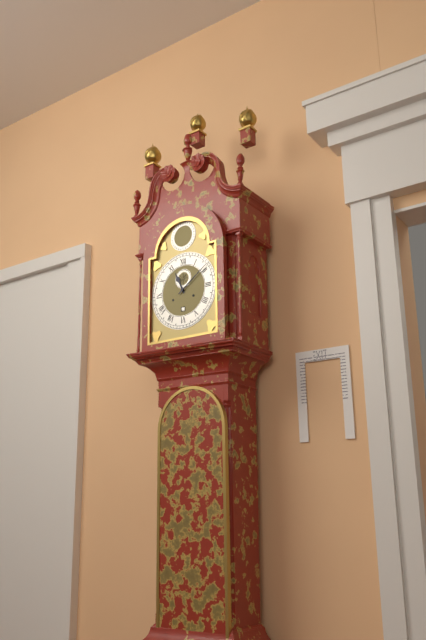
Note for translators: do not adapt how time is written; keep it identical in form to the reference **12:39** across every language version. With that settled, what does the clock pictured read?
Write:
**11:09**
